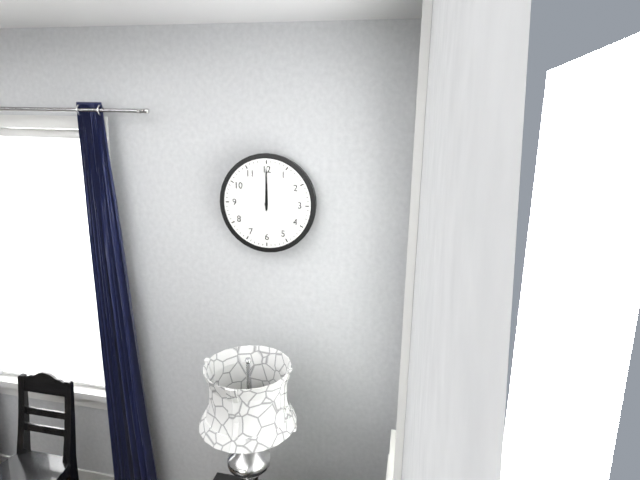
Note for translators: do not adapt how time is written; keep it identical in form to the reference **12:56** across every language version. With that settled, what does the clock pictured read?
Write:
**12:00**
